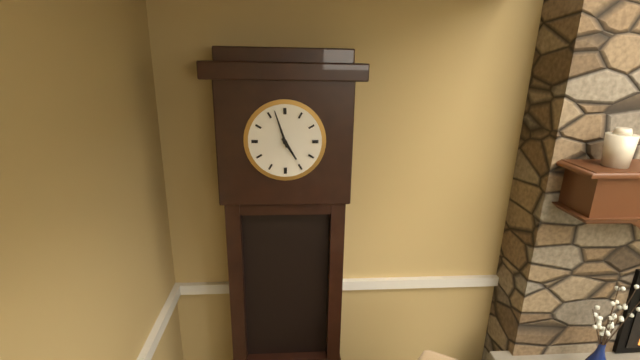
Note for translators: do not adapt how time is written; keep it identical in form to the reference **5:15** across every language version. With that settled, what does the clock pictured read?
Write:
**4:57**
